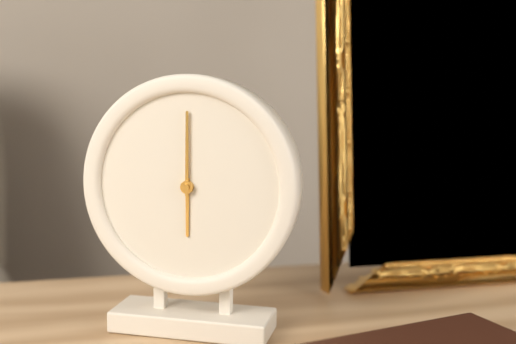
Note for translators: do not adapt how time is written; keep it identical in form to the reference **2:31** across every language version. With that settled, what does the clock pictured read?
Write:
**6:00**
